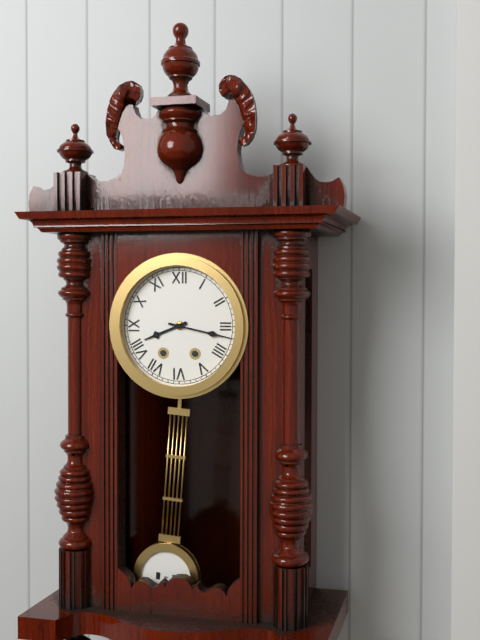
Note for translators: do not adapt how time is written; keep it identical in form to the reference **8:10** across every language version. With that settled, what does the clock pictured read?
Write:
**8:17**
